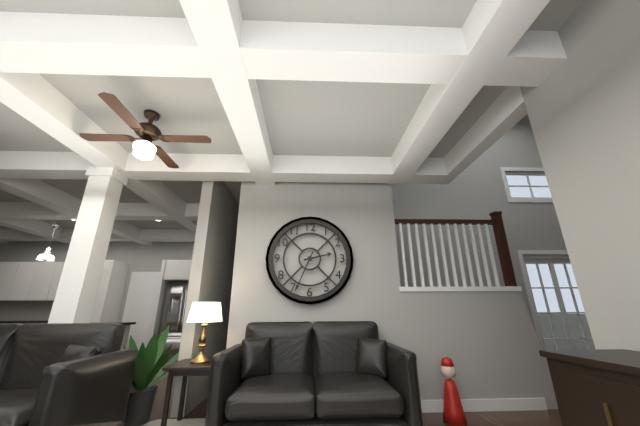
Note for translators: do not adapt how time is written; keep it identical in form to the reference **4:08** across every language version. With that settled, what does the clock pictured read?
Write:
**2:34**
